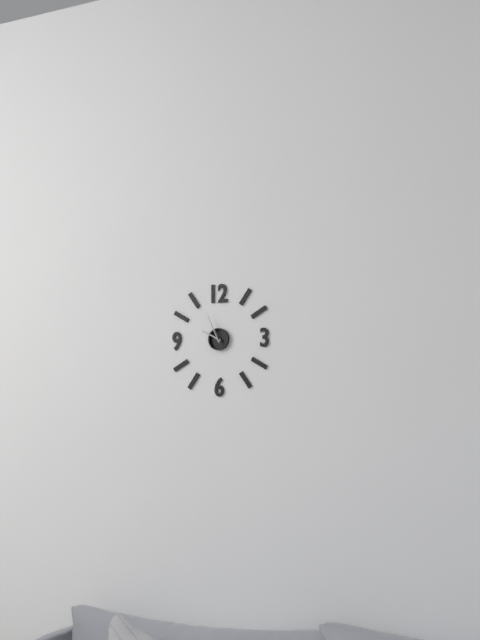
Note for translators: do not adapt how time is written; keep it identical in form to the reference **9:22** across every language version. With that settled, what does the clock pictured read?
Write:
**9:56**
